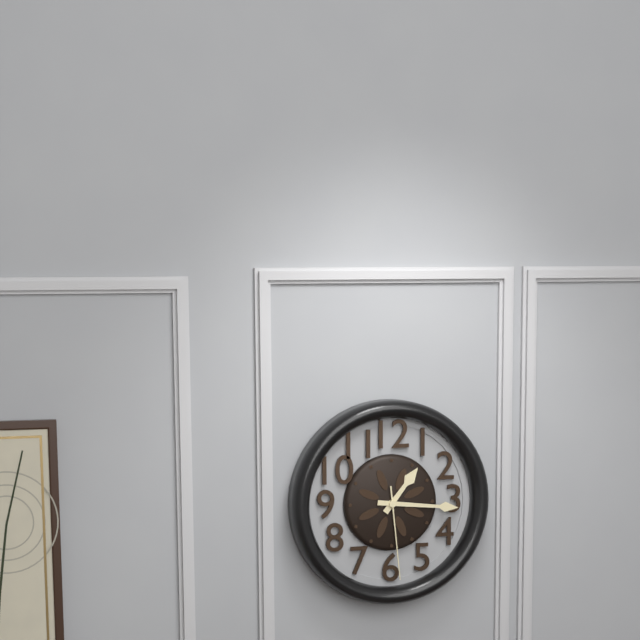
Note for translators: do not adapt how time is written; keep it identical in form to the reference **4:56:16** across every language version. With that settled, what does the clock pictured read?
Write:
**1:16:29**
